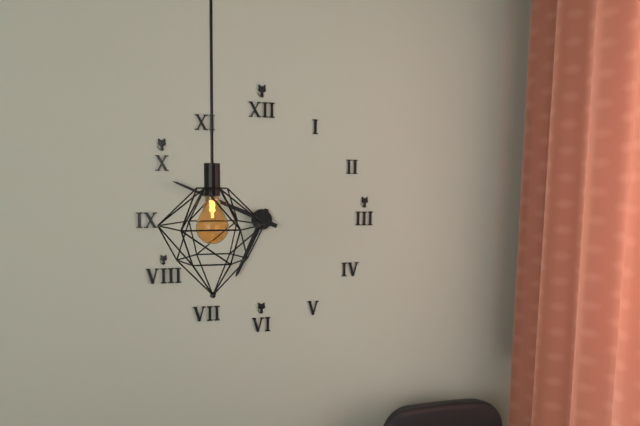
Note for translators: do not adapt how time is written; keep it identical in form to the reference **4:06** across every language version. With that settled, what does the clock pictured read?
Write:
**6:49**
